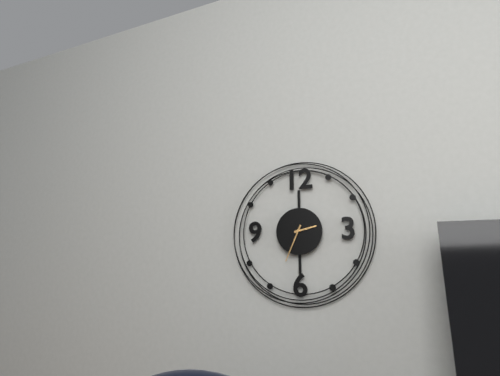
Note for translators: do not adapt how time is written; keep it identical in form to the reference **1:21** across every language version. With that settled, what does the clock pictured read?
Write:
**2:34**
